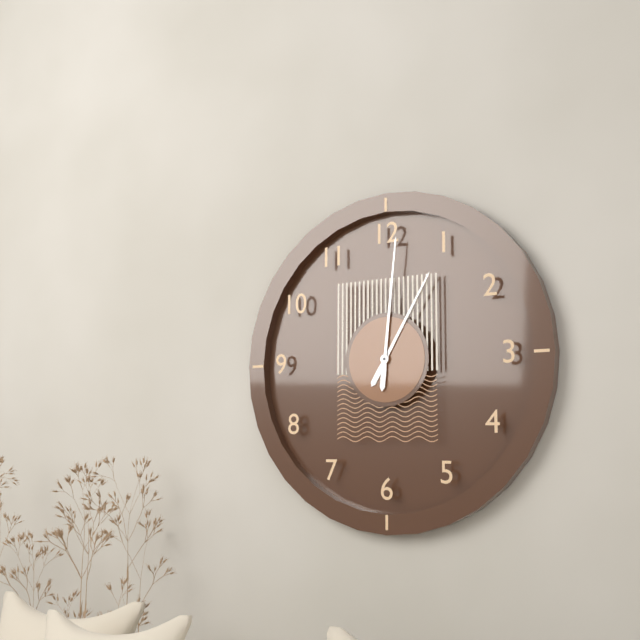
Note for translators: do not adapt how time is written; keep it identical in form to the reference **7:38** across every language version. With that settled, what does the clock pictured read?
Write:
**1:01**
